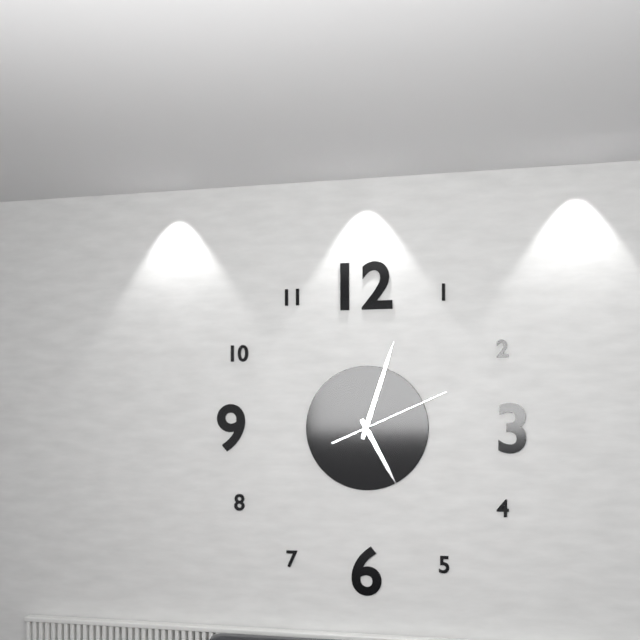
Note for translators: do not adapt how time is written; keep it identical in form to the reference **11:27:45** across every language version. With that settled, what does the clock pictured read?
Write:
**5:03:11**
